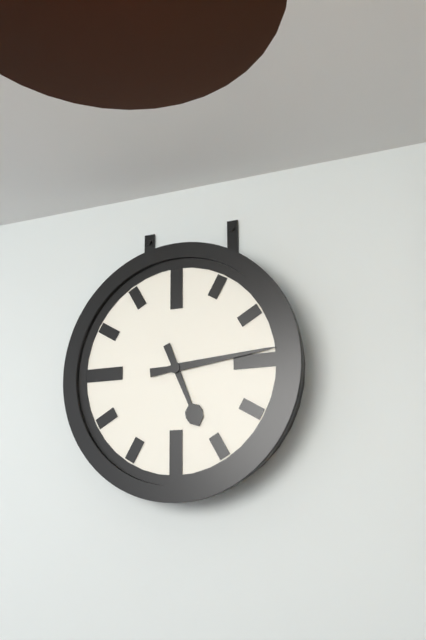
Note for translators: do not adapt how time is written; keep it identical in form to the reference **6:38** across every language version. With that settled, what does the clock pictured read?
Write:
**5:14**
